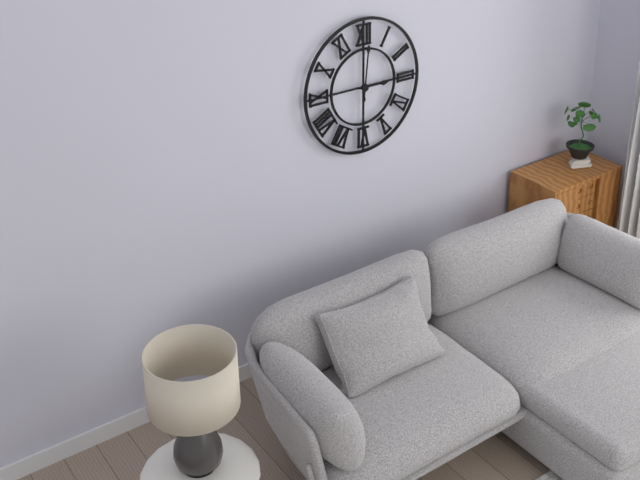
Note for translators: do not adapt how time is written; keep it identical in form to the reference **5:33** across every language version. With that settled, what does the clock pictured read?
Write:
**3:01**
